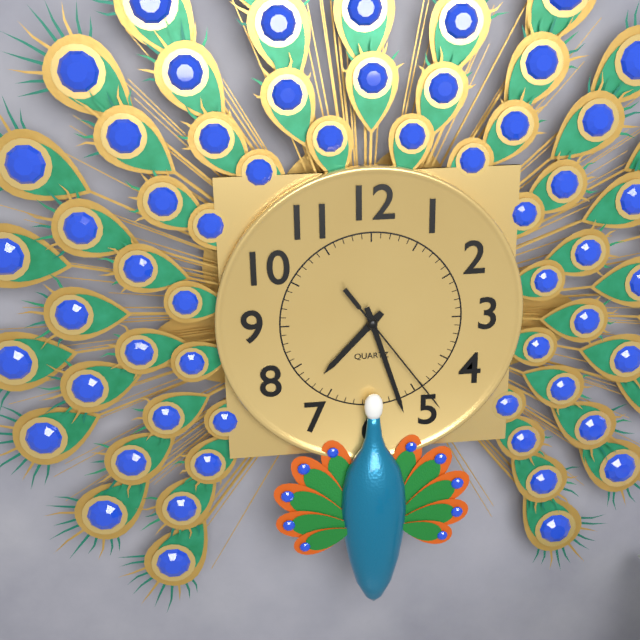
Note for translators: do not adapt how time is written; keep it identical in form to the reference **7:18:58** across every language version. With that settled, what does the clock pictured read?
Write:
**7:27:24**
